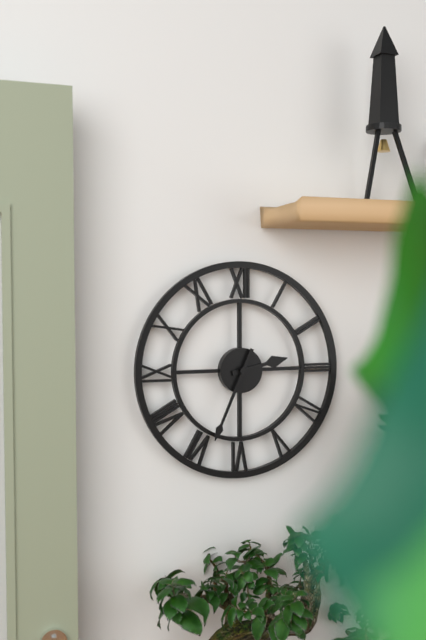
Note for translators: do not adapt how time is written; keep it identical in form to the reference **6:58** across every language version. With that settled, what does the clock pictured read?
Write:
**2:34**
